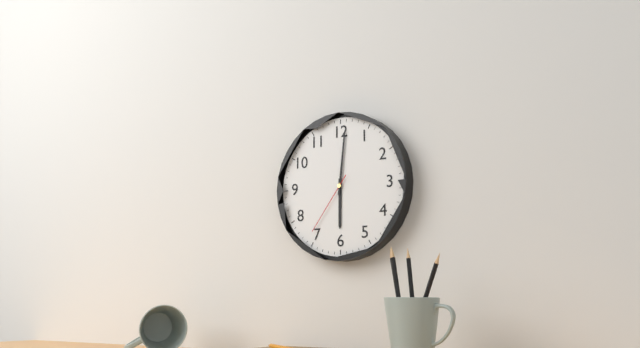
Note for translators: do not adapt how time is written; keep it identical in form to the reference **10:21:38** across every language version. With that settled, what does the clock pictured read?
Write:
**6:01:36**
